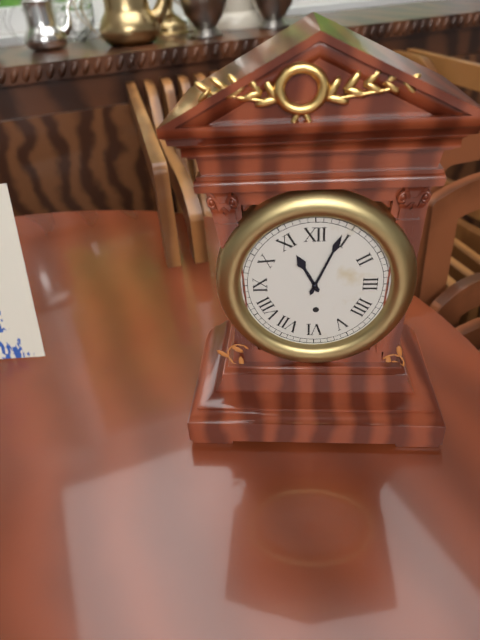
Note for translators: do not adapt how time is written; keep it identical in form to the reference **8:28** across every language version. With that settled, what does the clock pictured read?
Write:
**11:04**
